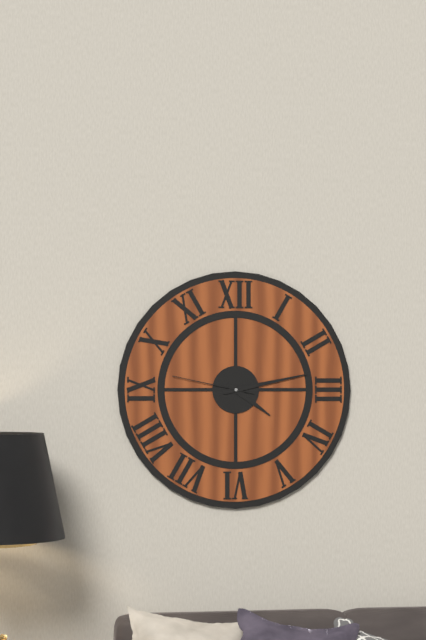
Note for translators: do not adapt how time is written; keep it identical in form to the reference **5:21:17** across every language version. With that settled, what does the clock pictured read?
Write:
**4:13:47**
